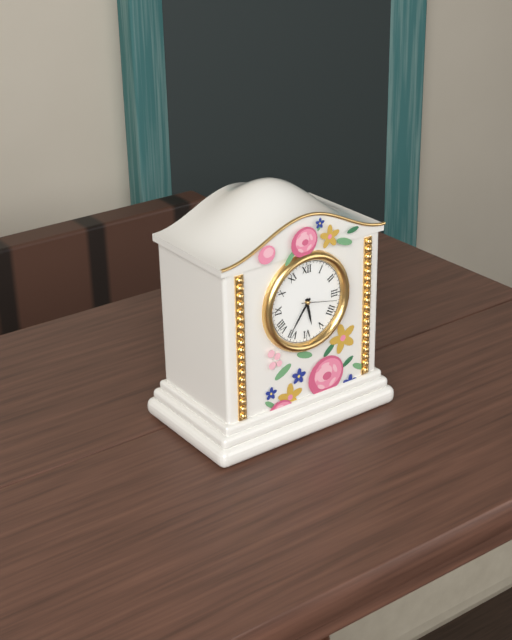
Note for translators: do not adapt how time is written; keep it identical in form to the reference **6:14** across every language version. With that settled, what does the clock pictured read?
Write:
**5:36**
